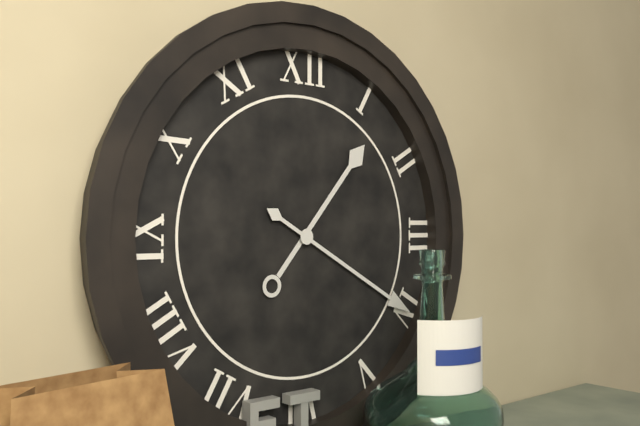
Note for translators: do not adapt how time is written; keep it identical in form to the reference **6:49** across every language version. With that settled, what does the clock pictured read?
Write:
**1:20**
